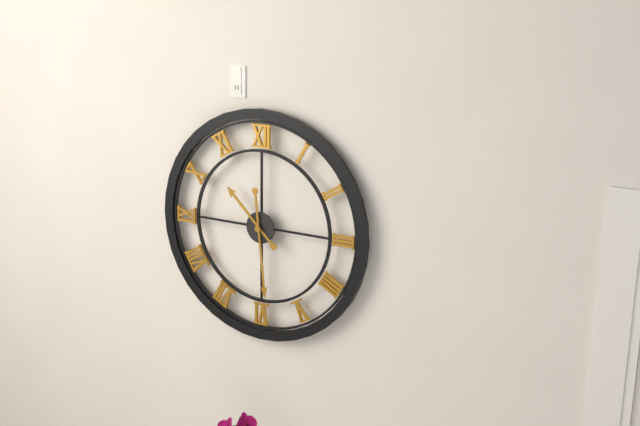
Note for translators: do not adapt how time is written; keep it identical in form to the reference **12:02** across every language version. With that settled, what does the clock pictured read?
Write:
**10:29**
